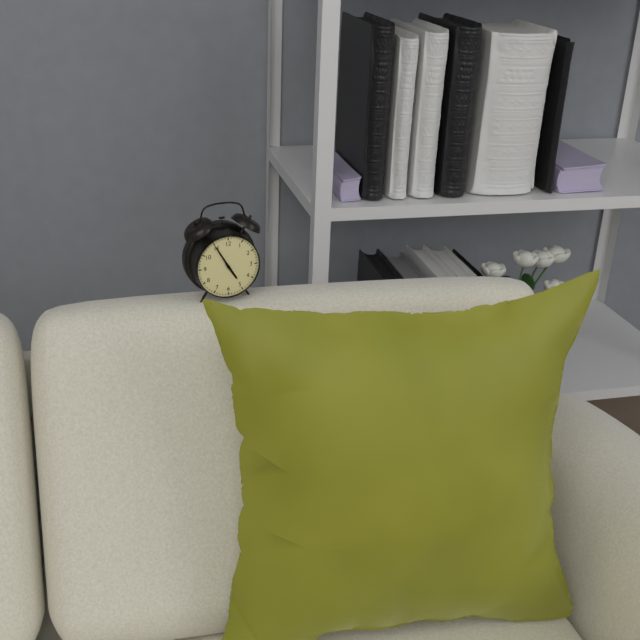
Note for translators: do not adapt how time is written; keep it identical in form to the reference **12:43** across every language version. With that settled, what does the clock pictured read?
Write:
**4:55**
